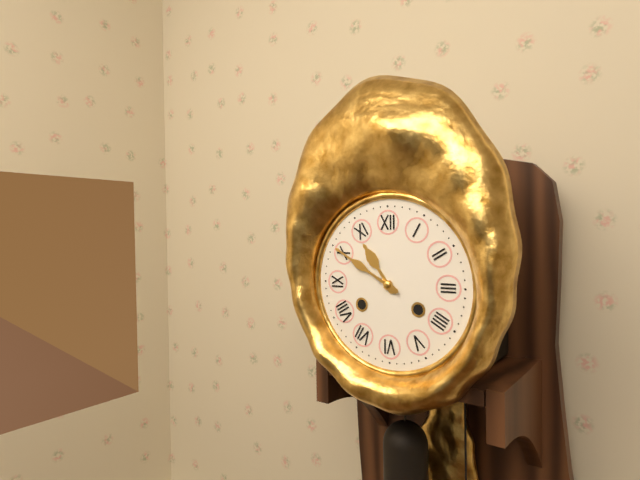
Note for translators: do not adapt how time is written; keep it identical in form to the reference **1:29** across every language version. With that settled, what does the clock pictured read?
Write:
**10:50**
